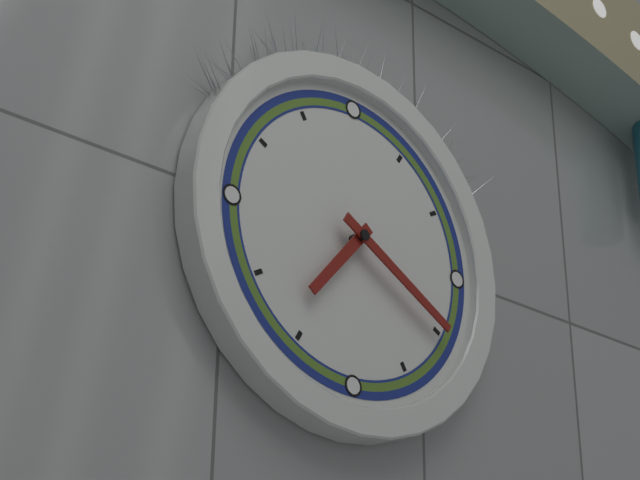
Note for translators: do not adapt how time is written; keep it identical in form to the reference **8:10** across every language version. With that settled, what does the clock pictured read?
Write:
**7:20**
